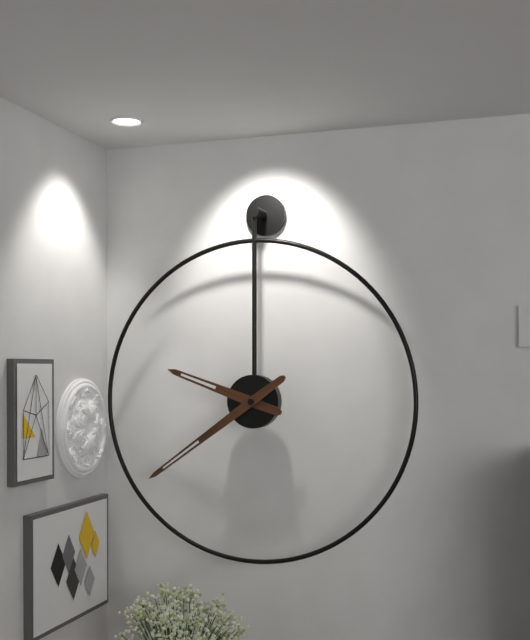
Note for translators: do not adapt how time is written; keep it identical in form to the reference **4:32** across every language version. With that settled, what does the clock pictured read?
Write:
**9:39**
